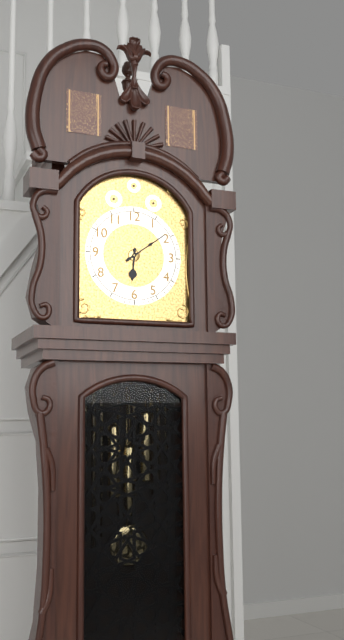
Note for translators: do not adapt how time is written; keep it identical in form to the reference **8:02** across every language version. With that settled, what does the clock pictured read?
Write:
**6:09**
